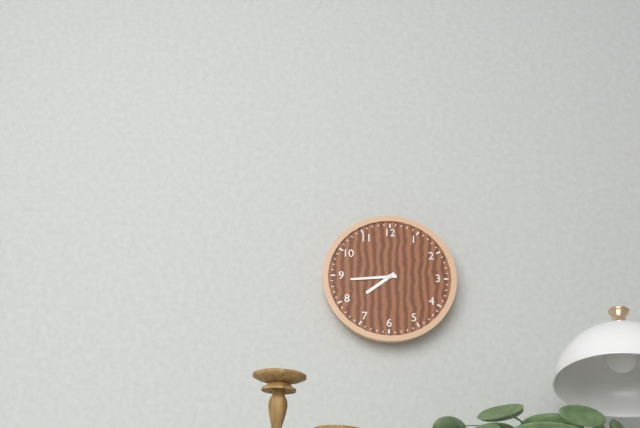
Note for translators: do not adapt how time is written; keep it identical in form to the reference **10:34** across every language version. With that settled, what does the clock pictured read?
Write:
**7:44**
